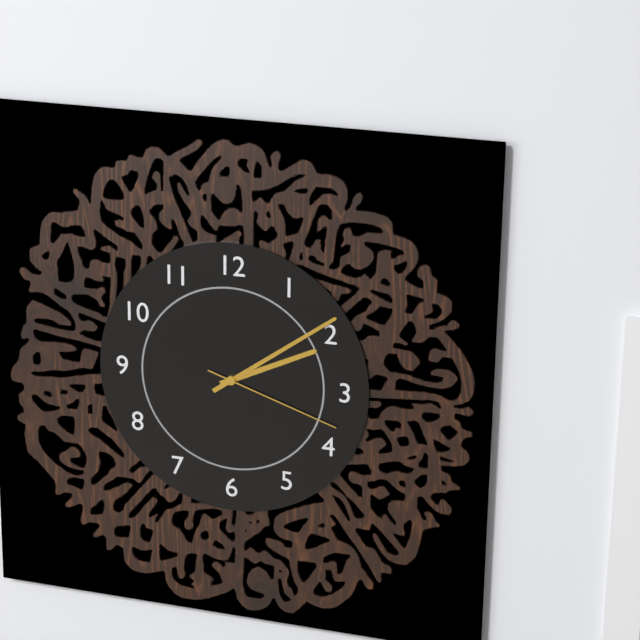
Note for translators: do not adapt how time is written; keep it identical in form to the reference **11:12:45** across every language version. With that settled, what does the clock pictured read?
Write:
**2:09:18**
